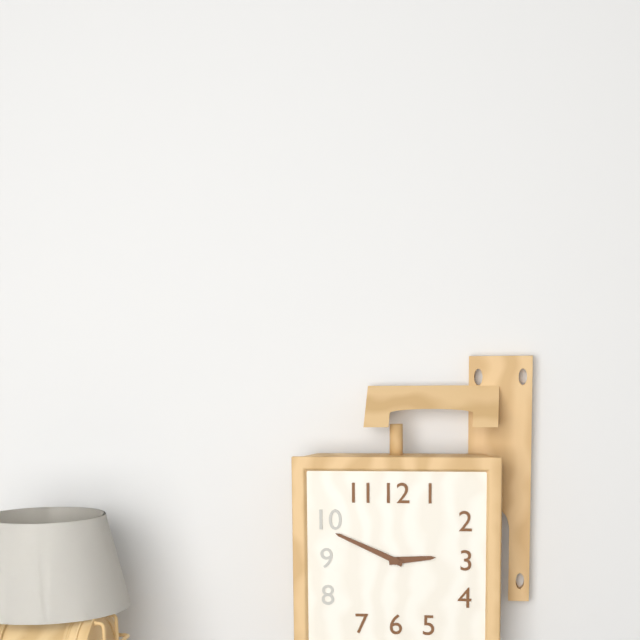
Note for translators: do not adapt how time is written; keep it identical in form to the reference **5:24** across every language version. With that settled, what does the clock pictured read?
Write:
**2:49**
